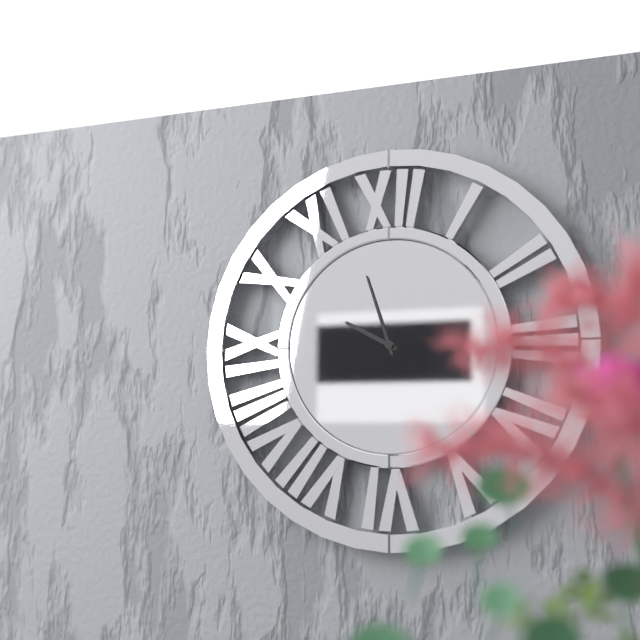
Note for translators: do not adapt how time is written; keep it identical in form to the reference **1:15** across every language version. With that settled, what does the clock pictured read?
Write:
**9:57**
